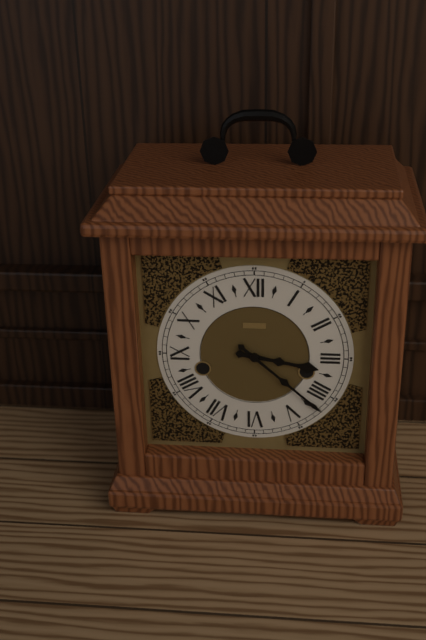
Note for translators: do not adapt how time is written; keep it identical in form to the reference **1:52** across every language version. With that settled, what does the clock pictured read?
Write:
**3:22**
